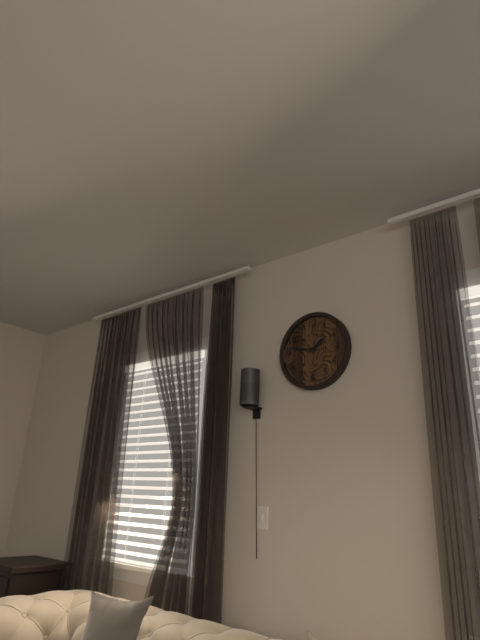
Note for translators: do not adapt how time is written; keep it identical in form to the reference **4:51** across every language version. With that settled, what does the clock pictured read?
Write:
**1:47**
